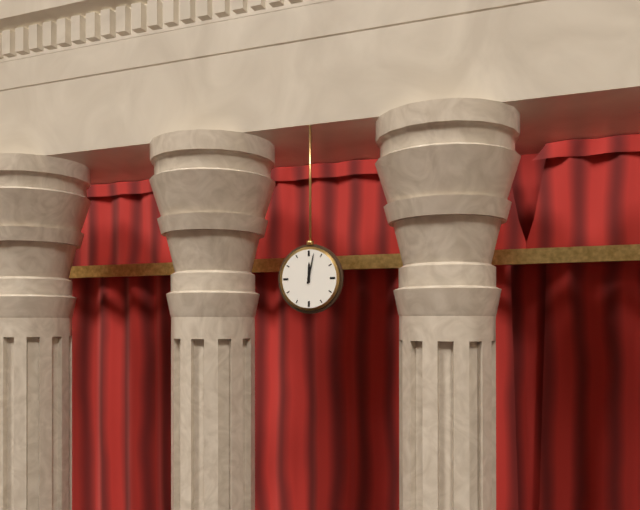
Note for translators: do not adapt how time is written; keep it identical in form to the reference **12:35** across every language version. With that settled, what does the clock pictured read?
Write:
**12:02**
